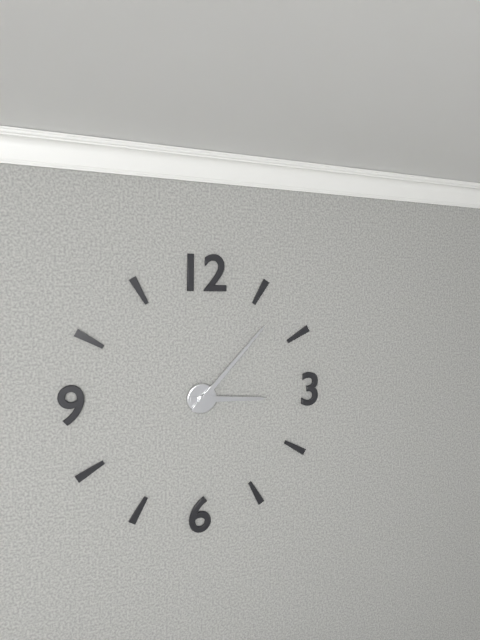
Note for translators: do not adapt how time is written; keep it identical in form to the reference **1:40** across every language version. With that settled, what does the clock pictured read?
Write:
**3:07**
